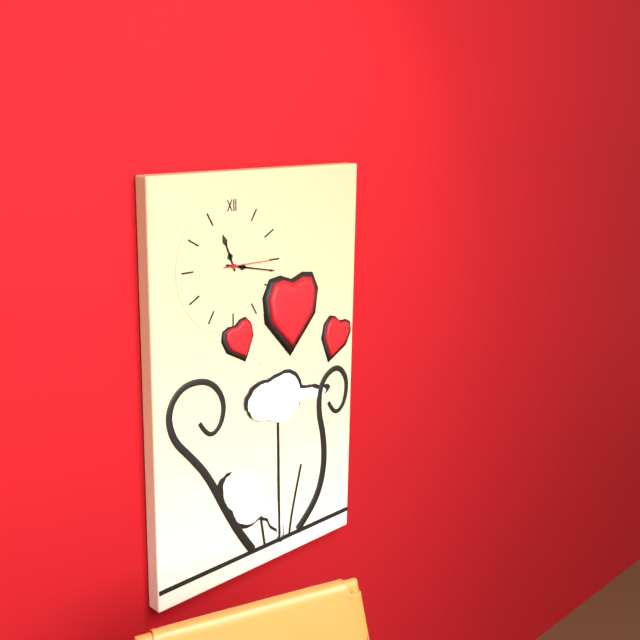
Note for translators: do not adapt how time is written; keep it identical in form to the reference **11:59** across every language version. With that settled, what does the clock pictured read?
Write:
**11:17**
